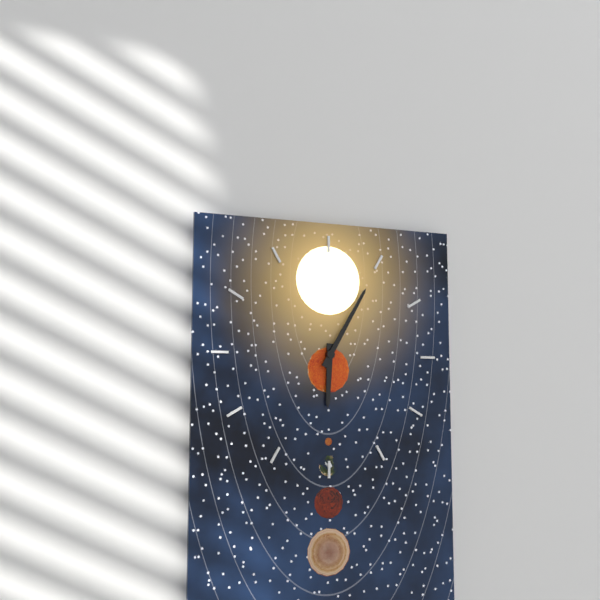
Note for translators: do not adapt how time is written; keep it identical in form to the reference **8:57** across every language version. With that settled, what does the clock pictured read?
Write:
**6:05**
